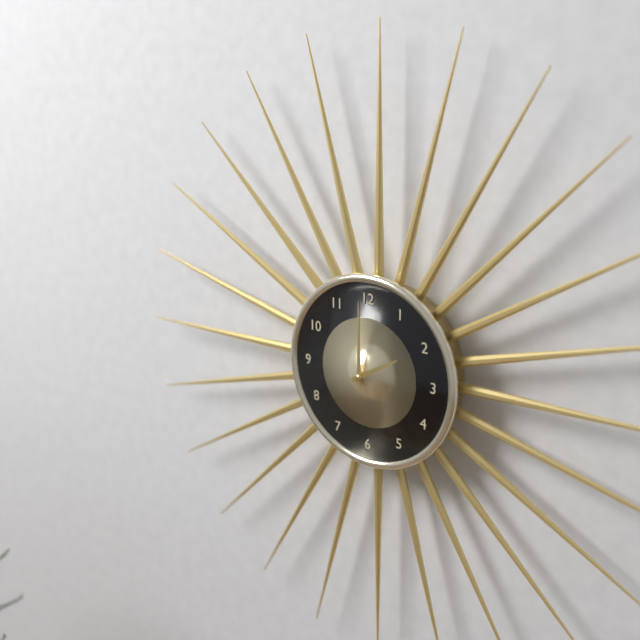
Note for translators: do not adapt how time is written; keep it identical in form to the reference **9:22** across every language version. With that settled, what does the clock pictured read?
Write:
**2:00**
